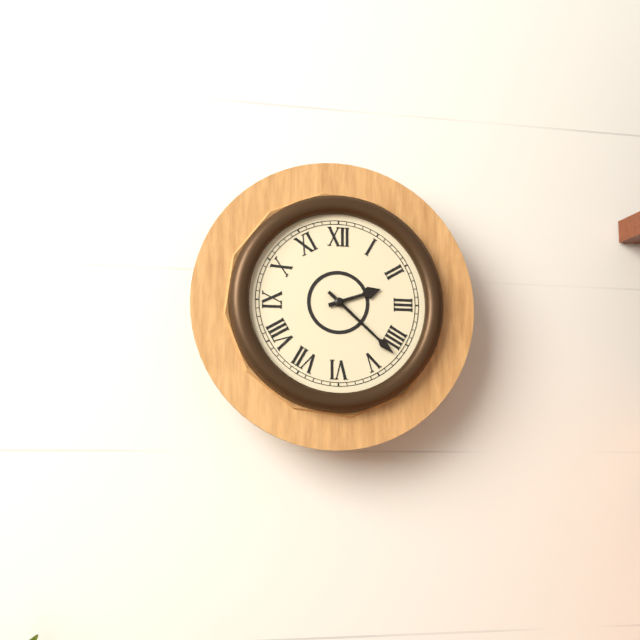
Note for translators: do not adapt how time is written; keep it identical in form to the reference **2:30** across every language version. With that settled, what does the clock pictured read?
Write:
**2:22**
